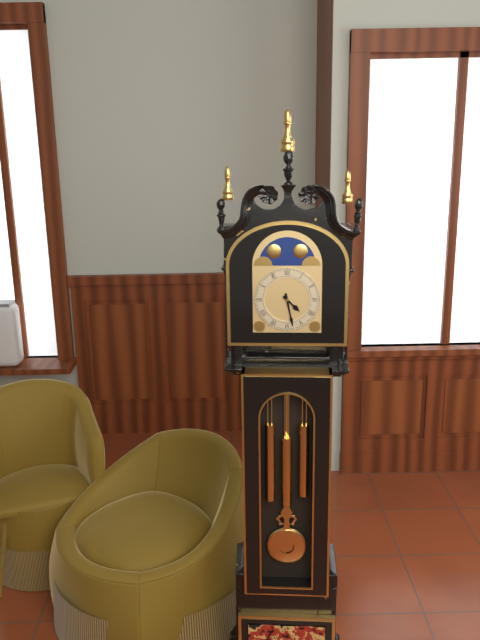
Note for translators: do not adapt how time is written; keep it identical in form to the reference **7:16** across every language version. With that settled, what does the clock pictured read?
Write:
**4:28**
